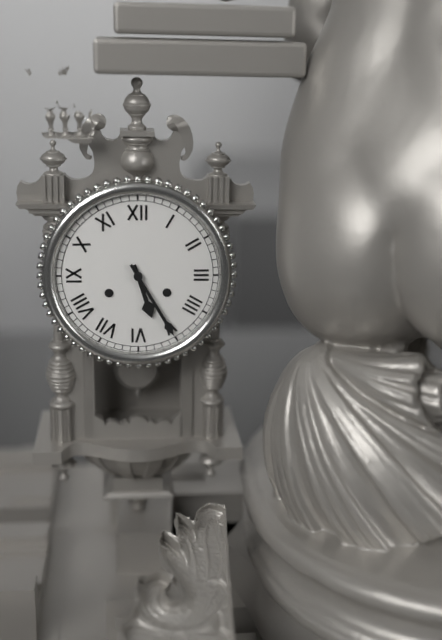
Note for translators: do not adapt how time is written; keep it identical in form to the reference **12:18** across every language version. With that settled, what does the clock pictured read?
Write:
**5:25**
